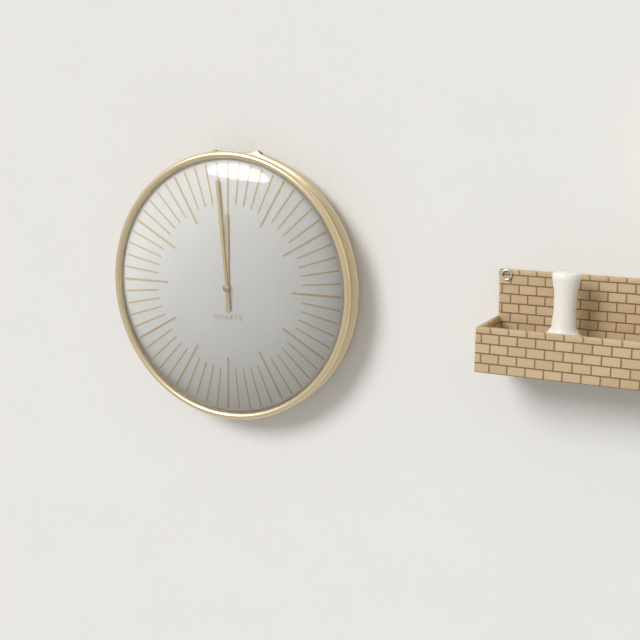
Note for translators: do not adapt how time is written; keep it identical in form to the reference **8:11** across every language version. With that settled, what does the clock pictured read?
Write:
**11:59**
